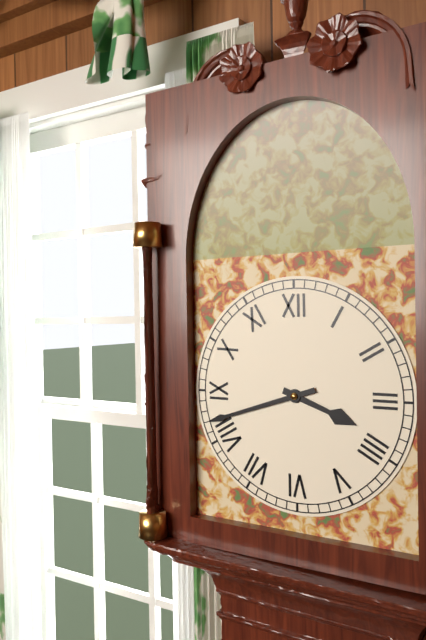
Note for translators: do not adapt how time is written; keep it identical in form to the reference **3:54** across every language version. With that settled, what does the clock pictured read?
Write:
**3:42**
